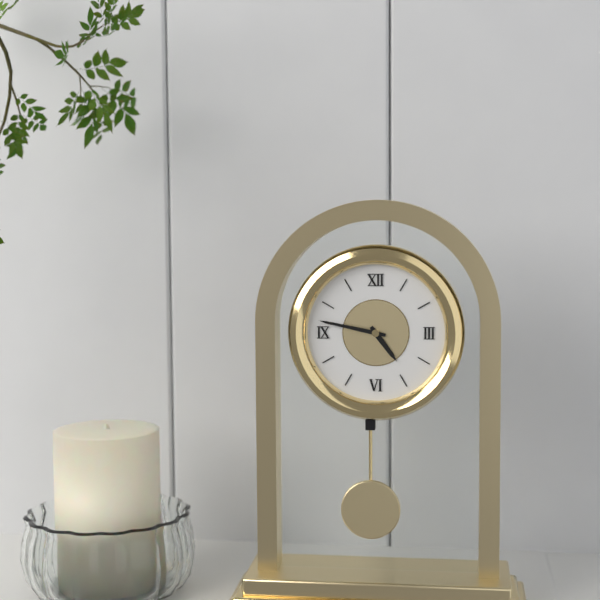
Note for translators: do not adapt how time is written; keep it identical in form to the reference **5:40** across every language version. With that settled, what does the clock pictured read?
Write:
**4:47**
